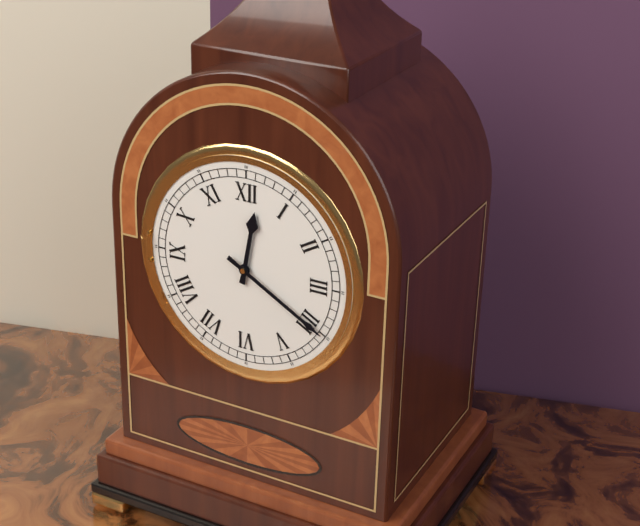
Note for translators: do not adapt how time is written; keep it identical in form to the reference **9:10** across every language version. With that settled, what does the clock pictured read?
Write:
**12:20**
